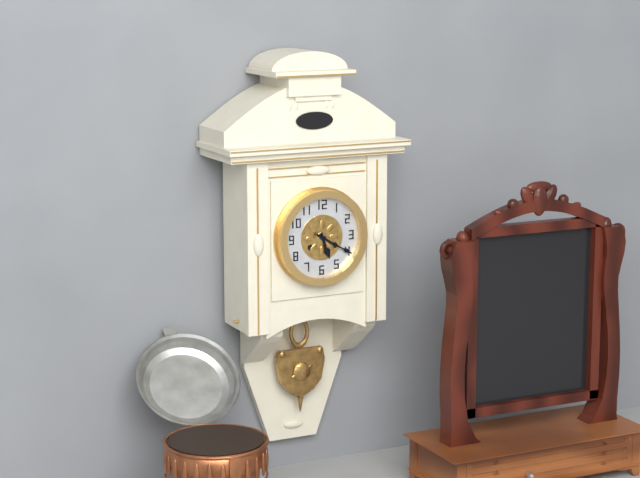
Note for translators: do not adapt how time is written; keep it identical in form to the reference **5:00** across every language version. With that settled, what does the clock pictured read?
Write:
**5:20**
